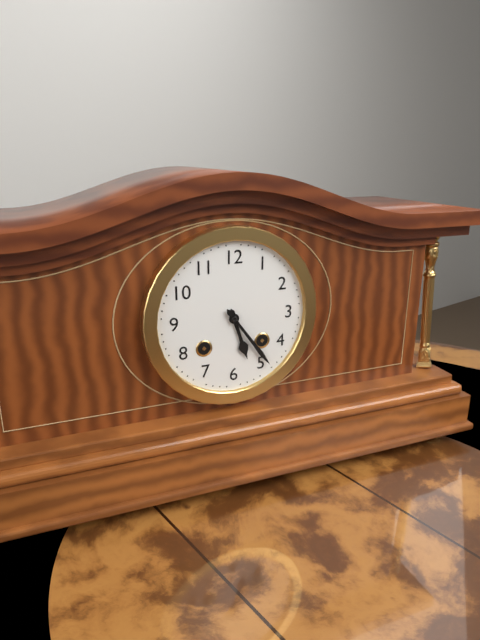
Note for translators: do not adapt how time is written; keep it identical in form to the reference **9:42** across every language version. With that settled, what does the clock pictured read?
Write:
**5:24**
